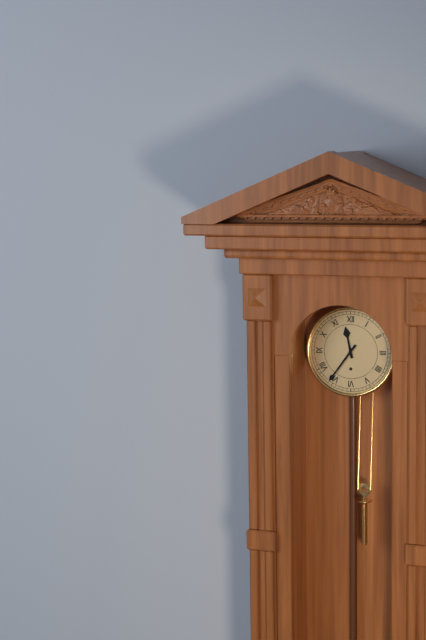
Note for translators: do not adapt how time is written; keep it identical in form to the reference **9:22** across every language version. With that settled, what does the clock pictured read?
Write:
**11:36**
